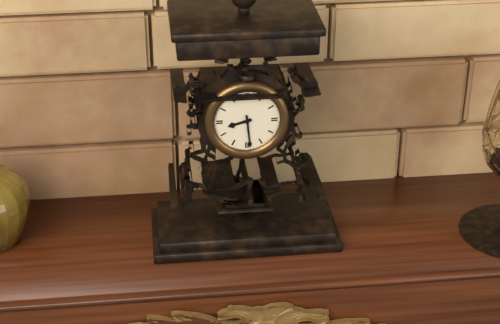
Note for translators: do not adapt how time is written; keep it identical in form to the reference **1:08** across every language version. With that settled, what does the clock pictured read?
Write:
**8:29**
